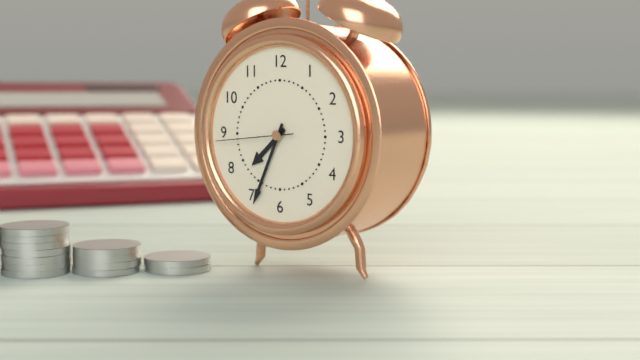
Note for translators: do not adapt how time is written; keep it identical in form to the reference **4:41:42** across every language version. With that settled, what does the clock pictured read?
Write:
**7:34:44**
